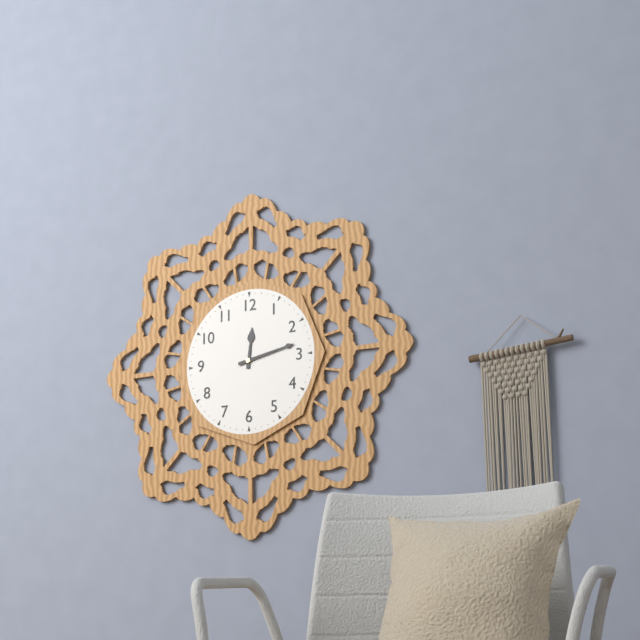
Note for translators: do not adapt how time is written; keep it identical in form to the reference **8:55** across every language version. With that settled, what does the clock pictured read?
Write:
**12:13**
